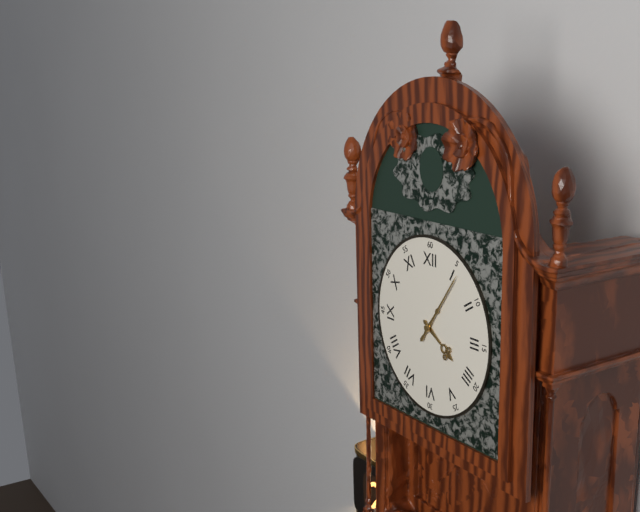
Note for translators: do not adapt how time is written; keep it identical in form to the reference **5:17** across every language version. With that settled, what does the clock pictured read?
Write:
**4:06**
